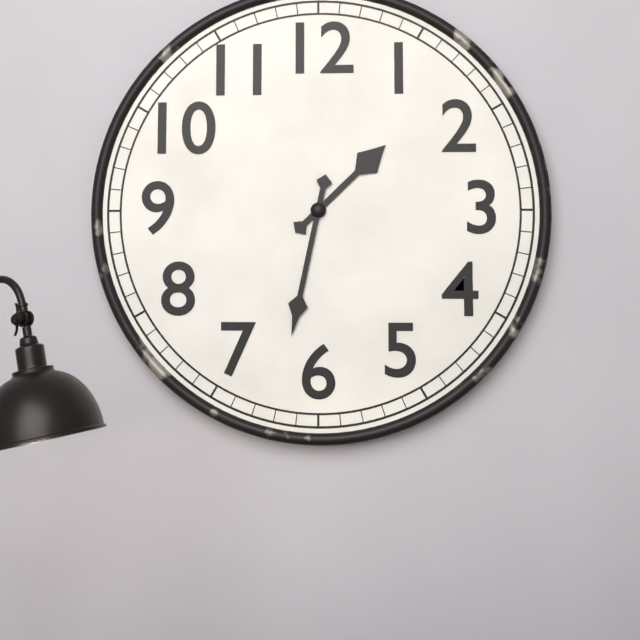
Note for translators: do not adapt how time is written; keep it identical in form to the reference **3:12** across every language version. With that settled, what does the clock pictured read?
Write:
**1:32**
